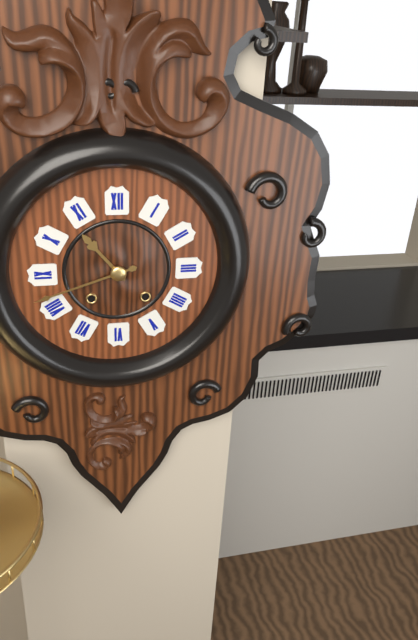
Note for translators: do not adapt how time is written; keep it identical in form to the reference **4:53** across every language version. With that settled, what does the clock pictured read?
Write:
**10:42**
